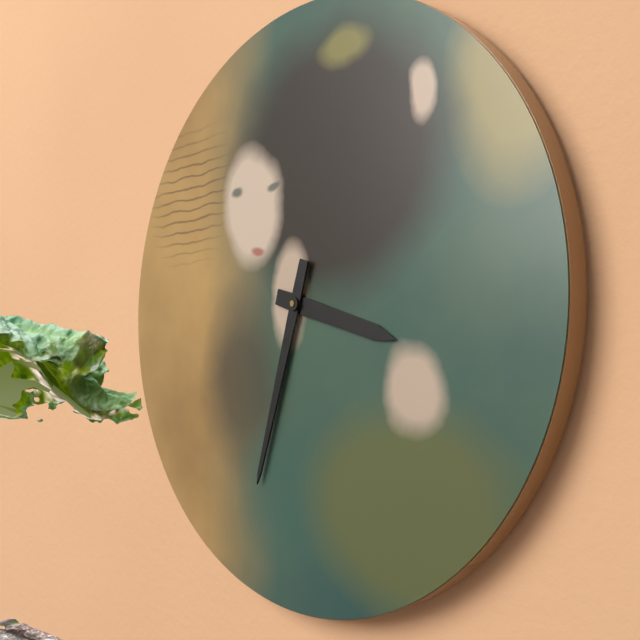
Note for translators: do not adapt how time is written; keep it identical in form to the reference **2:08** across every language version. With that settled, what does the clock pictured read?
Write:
**3:33**
